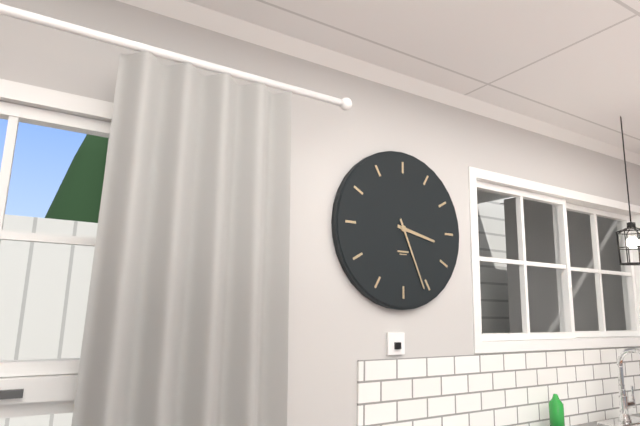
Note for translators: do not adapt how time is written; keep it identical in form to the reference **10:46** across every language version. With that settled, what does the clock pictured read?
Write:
**3:26**
